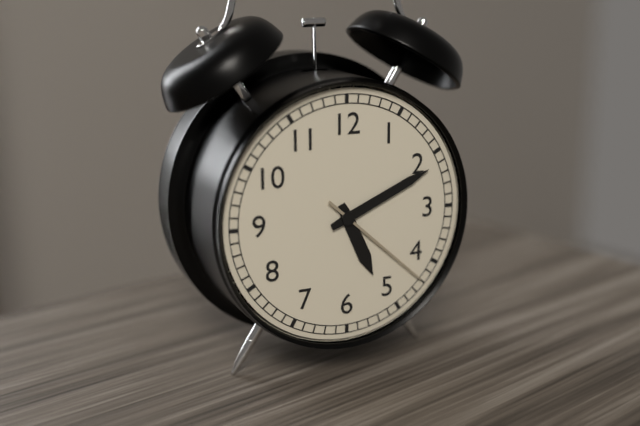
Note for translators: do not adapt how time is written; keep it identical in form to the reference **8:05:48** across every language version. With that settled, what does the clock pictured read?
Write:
**5:11:22**
